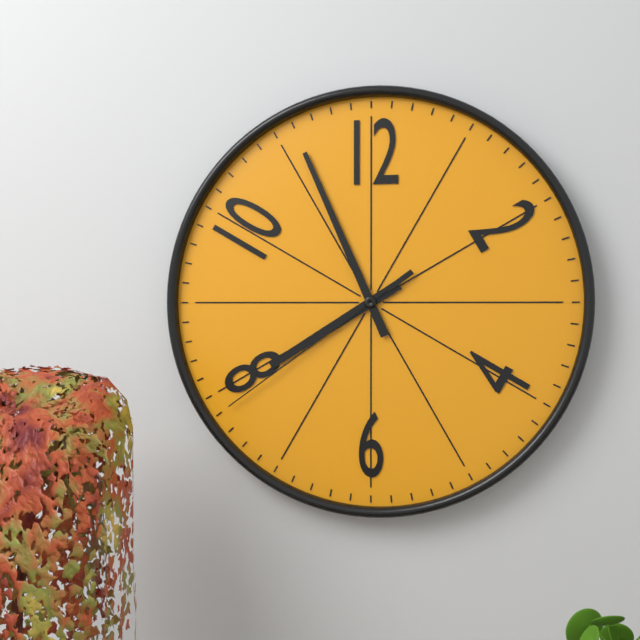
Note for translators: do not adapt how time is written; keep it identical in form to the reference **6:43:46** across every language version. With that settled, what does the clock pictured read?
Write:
**7:56:39**
